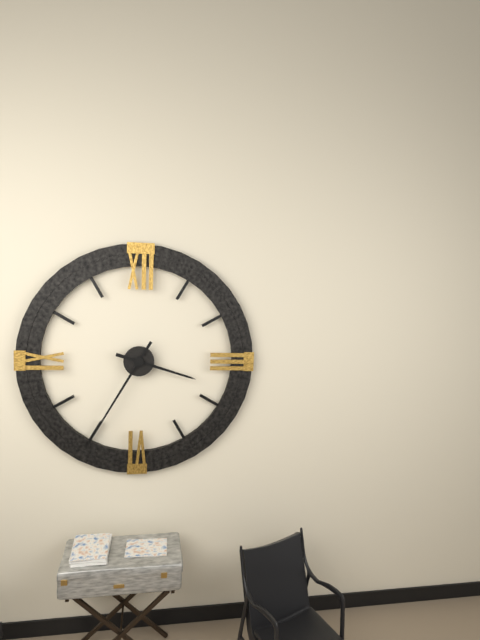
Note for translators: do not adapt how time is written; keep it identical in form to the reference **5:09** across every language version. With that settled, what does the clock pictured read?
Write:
**3:35**
